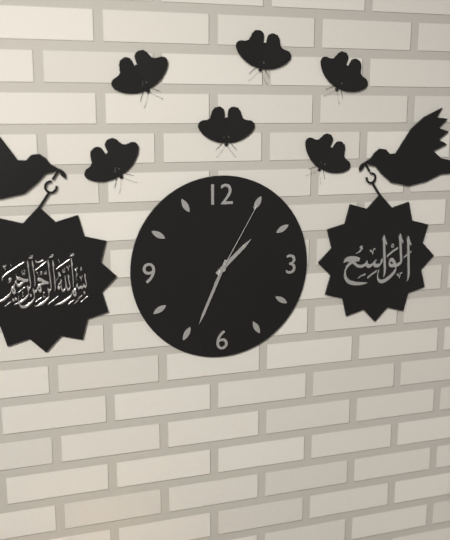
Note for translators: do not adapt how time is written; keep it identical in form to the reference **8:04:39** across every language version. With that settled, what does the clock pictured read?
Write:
**1:34:05**
